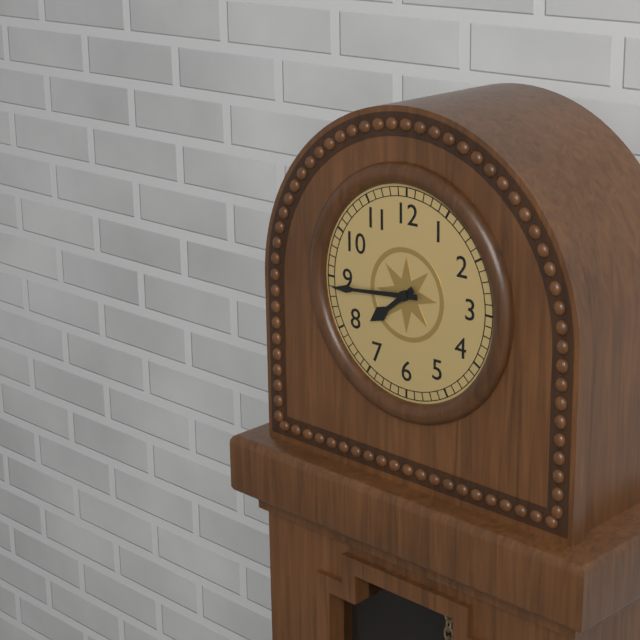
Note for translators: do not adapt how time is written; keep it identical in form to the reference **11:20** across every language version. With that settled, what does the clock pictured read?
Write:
**7:44**
